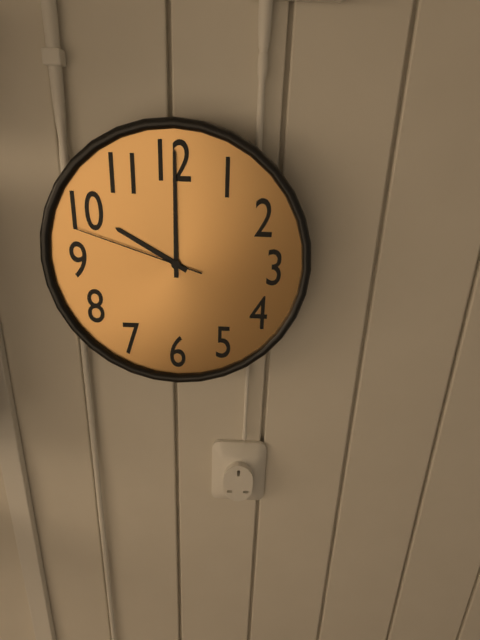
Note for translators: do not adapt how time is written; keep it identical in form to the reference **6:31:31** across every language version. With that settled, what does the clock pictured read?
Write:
**10:00:48**
